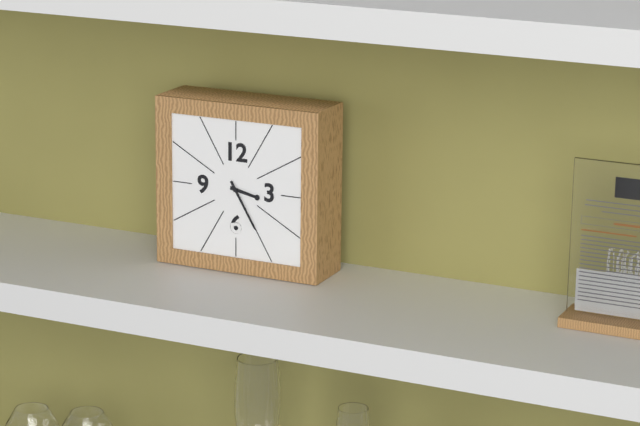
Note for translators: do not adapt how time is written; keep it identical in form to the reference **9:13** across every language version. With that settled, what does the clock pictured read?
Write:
**3:25**
